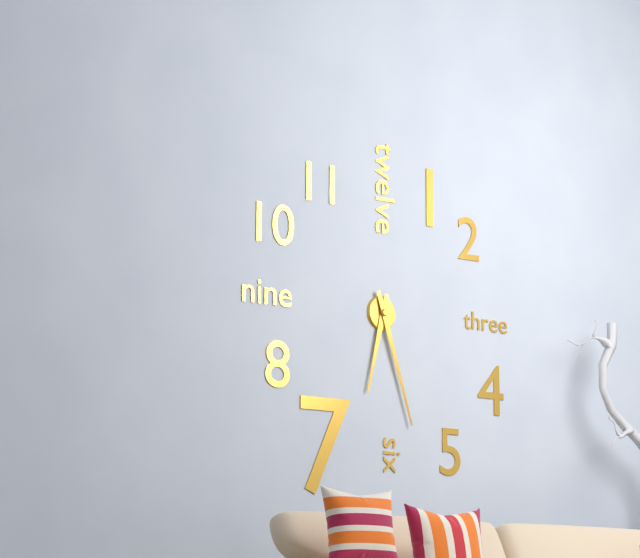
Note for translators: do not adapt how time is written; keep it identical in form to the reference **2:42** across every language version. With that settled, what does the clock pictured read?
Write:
**6:27**
